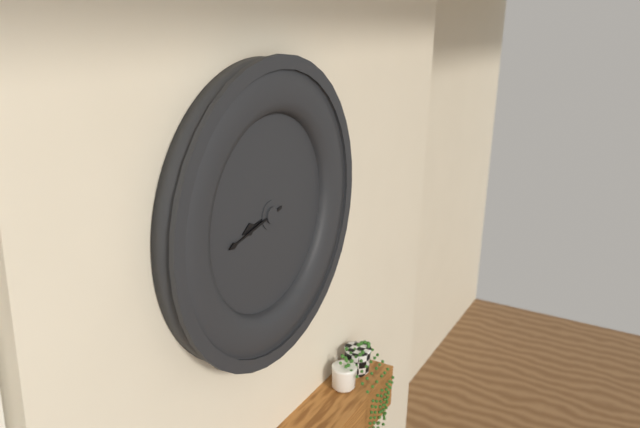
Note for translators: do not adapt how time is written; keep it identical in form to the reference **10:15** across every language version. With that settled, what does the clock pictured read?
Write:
**8:43**
